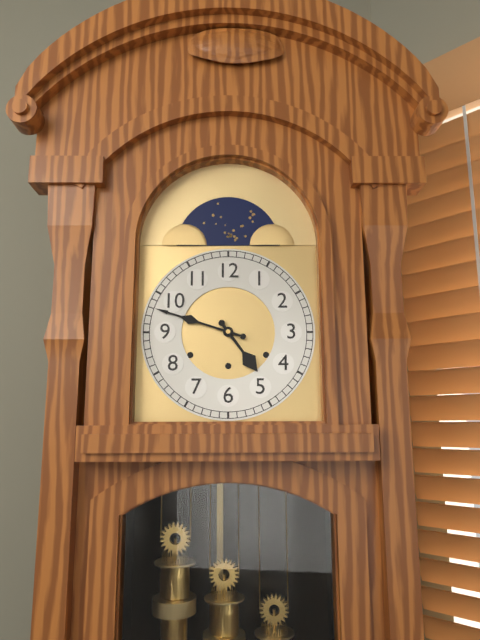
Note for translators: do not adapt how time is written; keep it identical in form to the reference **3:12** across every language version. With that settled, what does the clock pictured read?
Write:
**4:48**
